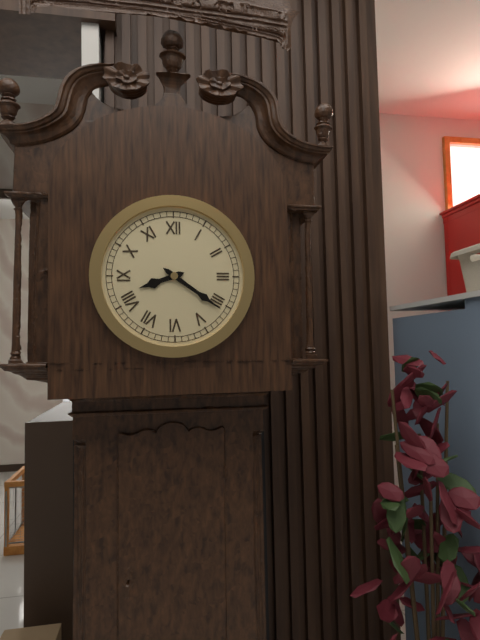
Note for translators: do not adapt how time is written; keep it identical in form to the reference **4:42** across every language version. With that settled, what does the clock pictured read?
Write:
**8:21**
